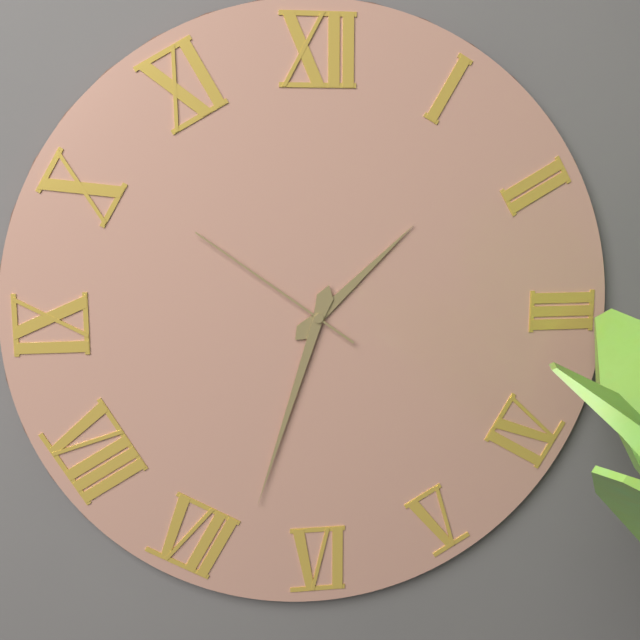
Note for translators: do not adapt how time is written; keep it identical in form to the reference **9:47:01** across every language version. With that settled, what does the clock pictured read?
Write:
**1:33:51**
